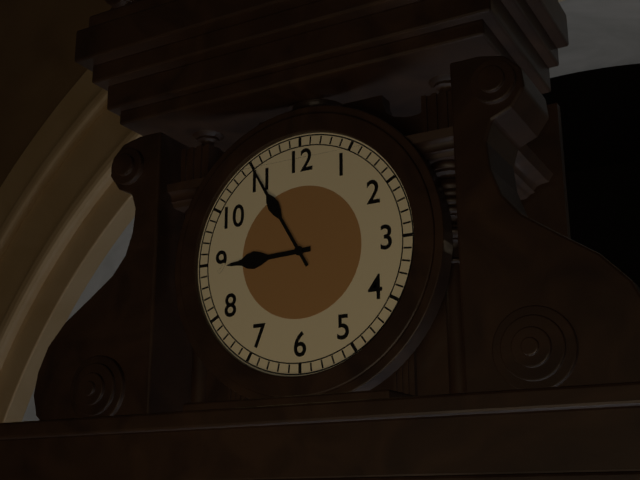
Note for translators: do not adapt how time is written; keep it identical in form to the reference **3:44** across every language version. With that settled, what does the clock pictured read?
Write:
**8:55**
